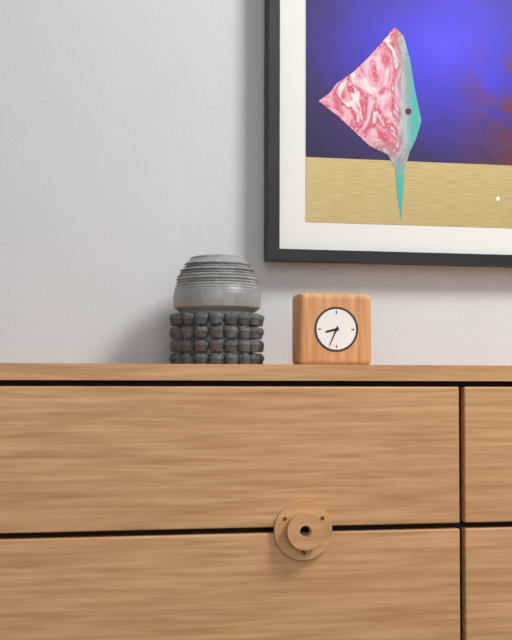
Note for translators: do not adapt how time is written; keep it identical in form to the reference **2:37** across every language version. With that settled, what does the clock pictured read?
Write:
**8:34**
